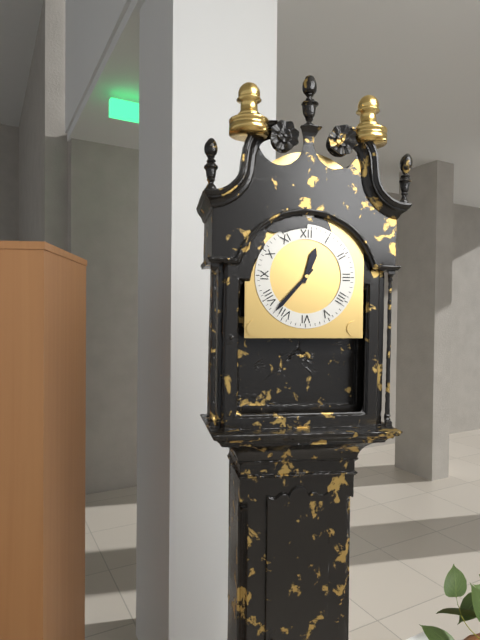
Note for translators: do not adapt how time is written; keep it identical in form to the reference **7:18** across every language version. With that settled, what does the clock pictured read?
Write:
**12:37**
